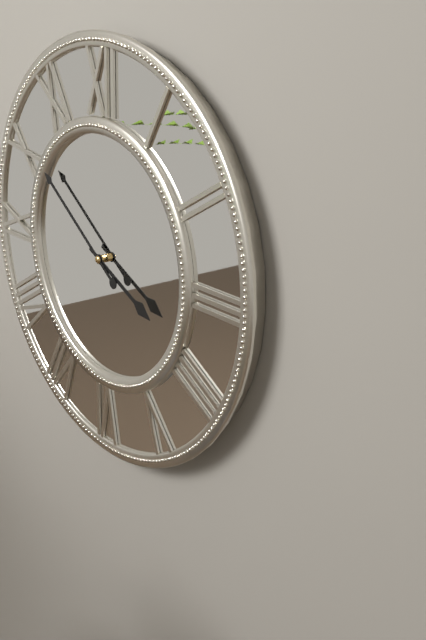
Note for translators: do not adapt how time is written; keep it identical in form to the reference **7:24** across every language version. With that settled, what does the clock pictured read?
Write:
**3:51**
